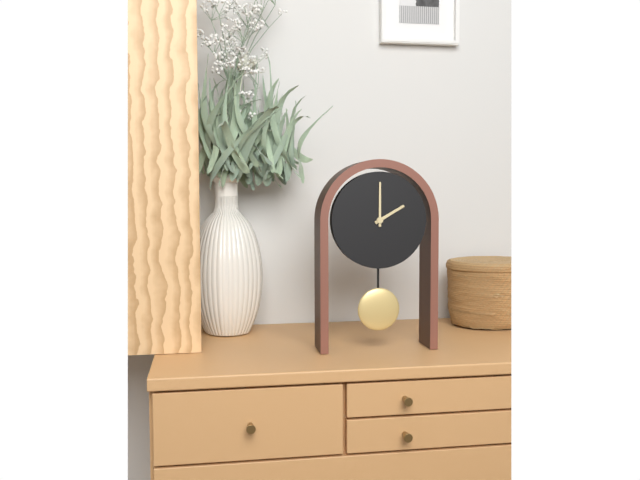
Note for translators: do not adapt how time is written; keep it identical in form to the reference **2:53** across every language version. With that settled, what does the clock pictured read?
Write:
**2:00**
